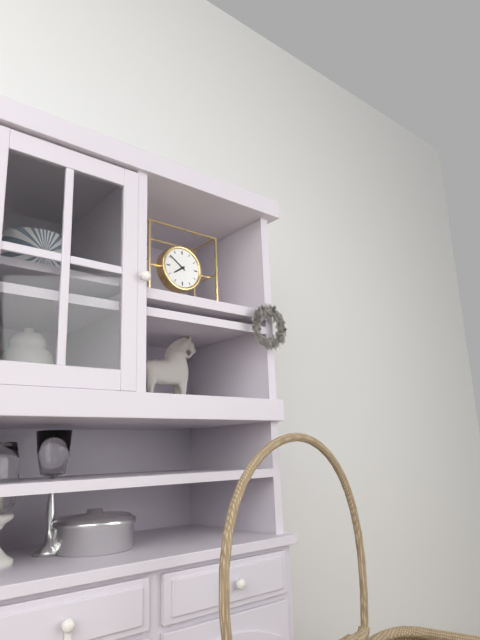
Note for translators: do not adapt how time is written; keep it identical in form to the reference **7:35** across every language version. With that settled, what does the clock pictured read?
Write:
**7:51**
